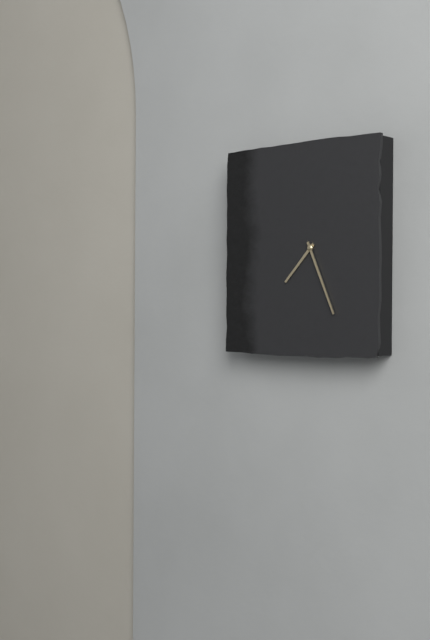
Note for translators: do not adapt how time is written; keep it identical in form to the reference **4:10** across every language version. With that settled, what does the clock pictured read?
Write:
**7:26**
